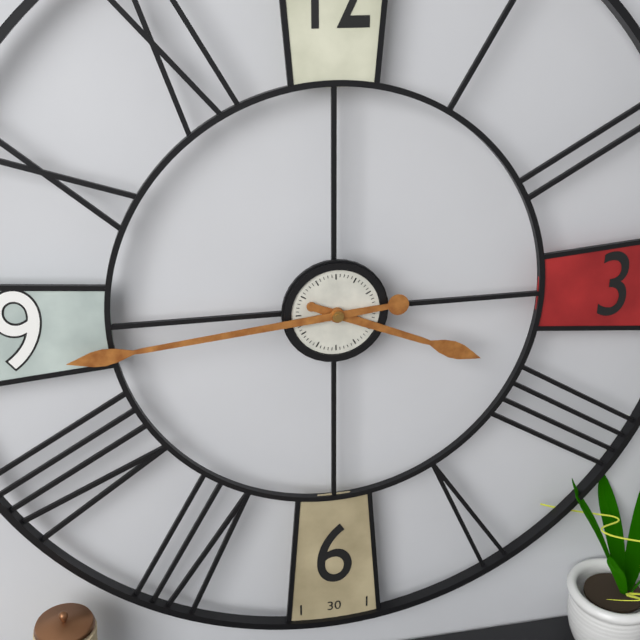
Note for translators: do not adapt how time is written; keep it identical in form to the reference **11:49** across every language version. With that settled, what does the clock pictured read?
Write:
**3:44**
